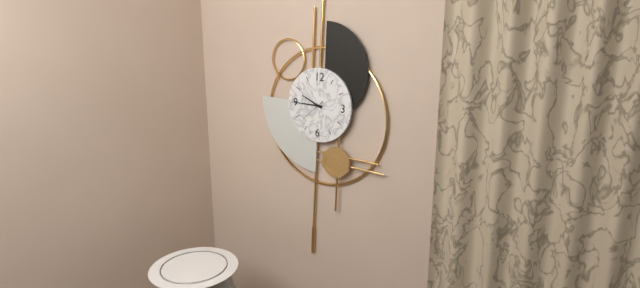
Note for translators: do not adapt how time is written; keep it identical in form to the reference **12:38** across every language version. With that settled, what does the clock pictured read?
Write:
**9:45**
